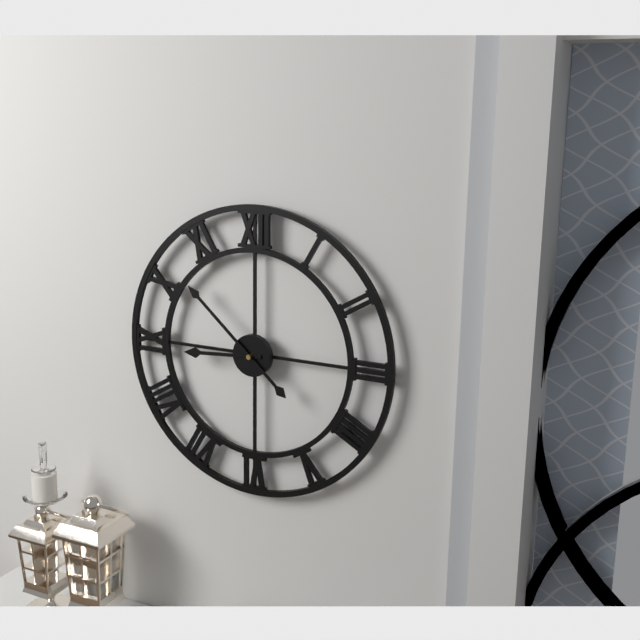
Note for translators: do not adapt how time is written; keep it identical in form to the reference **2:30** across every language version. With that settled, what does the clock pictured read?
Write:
**8:52**
